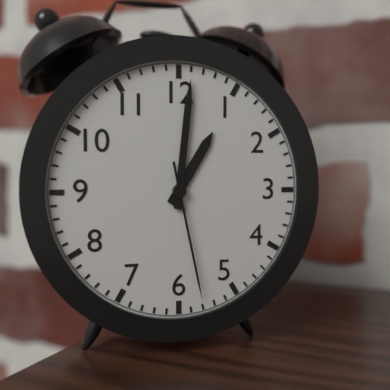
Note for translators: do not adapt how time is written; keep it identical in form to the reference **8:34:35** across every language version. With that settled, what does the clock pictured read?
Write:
**1:01:28**
